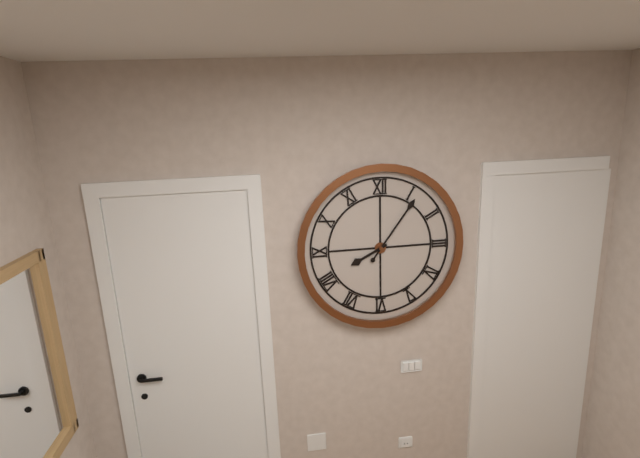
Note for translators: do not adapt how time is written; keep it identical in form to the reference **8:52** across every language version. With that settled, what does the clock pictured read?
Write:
**8:06**
